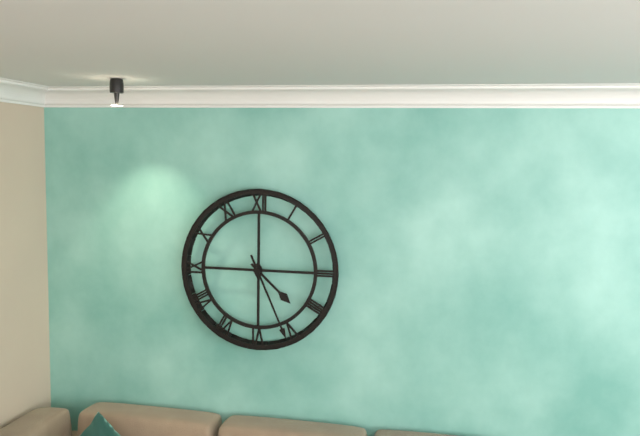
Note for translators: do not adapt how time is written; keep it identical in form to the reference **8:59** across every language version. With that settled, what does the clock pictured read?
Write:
**4:26**
